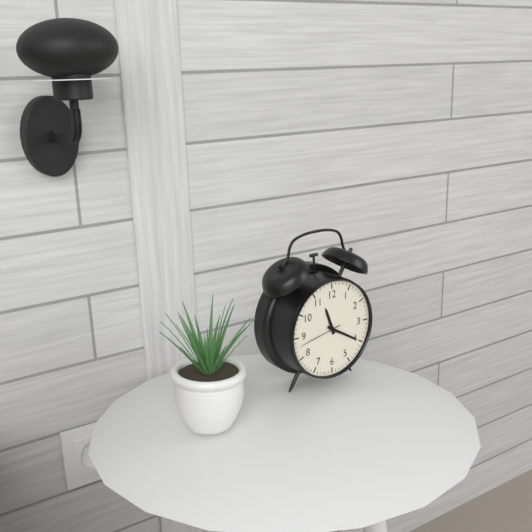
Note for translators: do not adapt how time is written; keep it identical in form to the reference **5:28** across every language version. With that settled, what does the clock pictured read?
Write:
**11:20**
